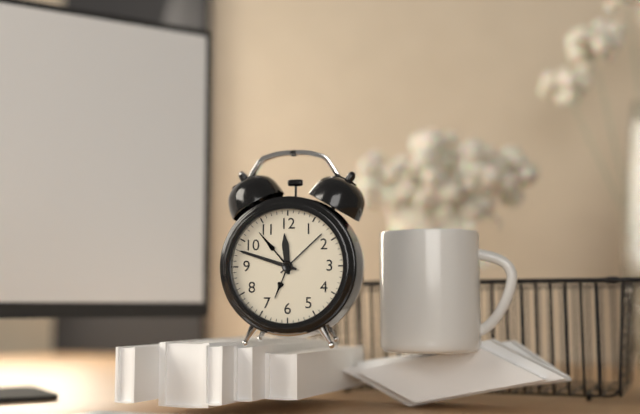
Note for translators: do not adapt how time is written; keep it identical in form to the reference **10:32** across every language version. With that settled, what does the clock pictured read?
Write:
**11:48**
